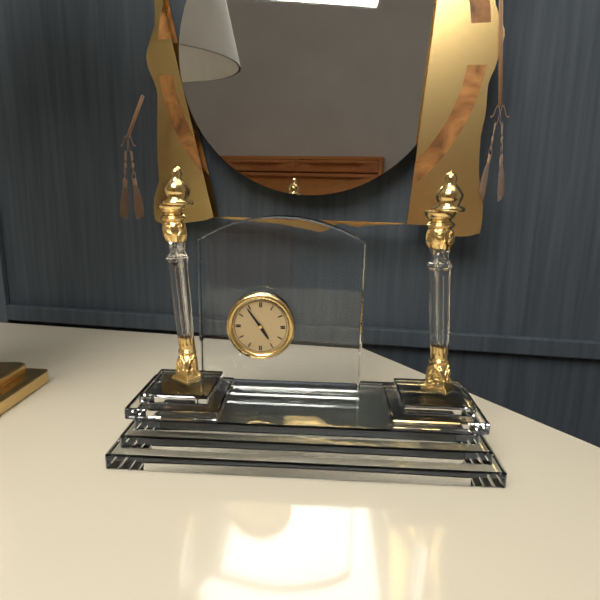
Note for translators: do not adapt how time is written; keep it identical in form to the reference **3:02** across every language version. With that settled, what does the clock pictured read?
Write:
**4:54**
